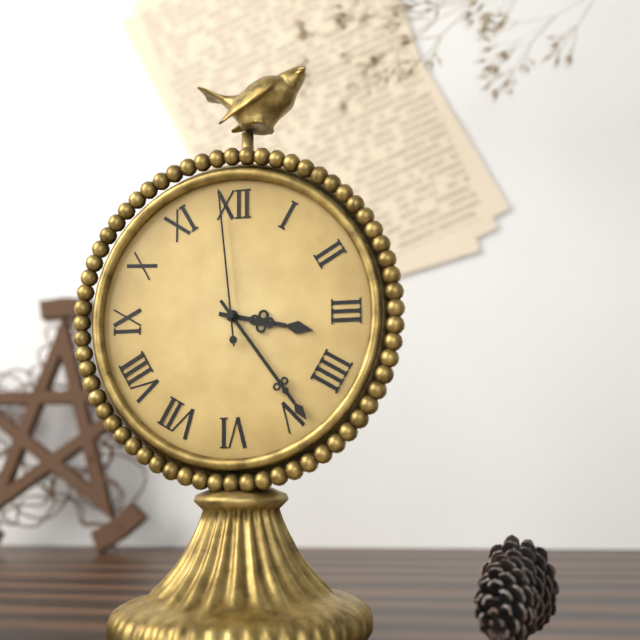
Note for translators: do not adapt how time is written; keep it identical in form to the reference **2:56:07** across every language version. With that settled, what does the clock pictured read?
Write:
**3:24:59**
